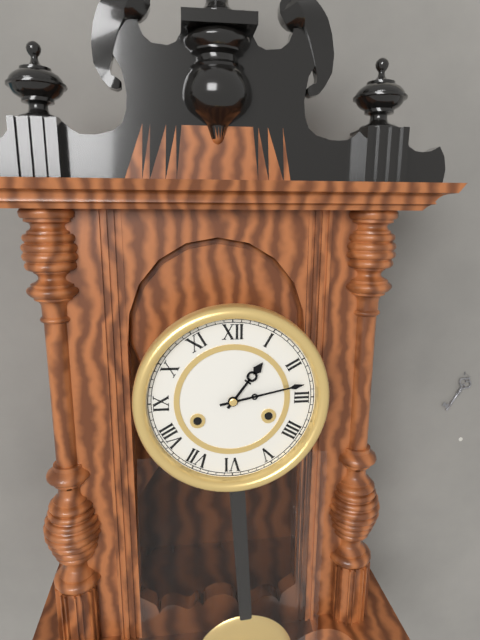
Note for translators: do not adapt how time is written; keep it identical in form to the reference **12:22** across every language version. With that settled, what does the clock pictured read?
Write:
**1:13**
